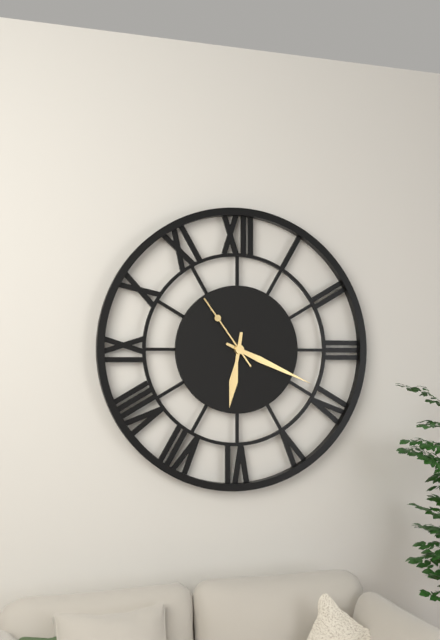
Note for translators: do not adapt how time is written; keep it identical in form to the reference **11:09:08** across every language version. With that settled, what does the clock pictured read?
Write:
**6:19:54**
